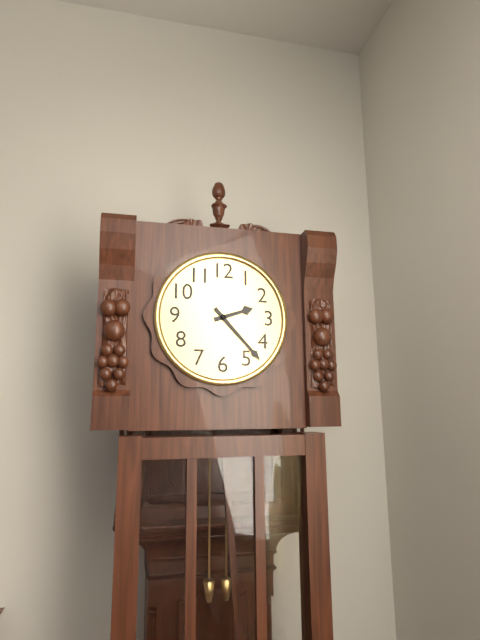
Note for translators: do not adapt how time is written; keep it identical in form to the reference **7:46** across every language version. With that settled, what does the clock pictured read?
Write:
**2:23**
